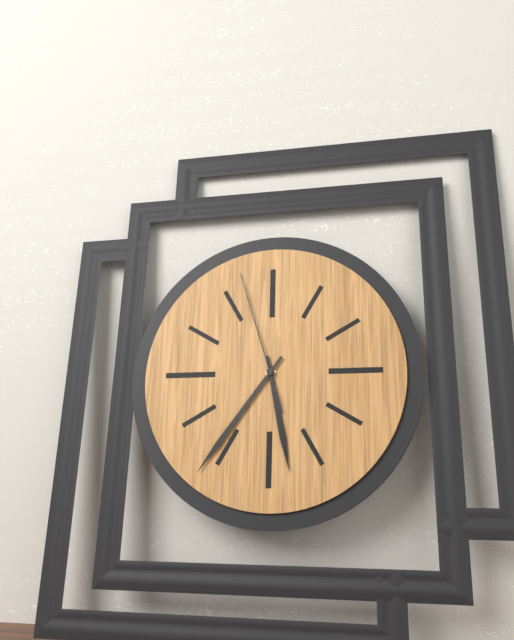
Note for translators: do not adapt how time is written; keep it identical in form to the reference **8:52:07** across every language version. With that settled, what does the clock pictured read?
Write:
**5:36:57**
